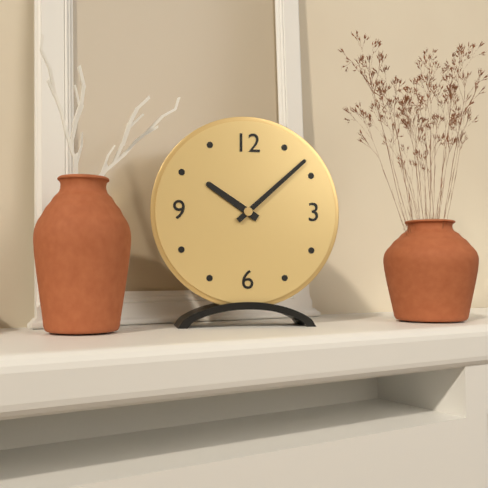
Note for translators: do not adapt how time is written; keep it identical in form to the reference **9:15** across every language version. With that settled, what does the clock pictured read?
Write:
**10:08**
